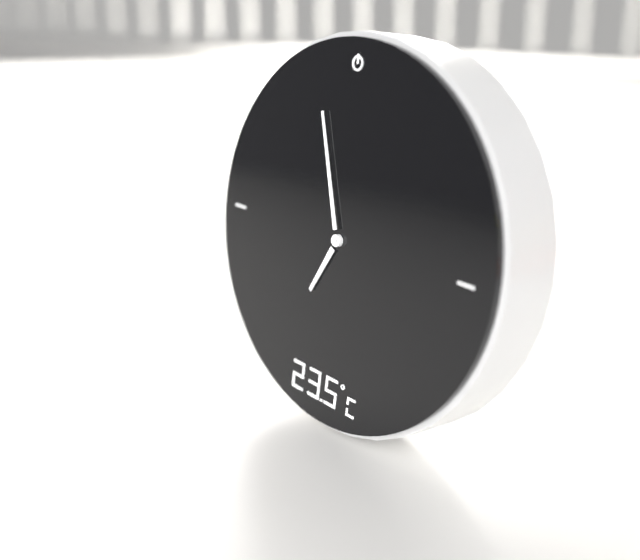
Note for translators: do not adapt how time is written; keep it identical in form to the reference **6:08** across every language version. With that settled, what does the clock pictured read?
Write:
**6:57**
